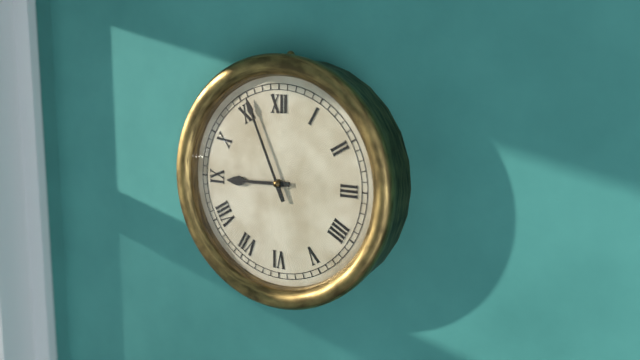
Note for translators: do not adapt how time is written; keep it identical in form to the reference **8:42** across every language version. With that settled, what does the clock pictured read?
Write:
**8:56**
